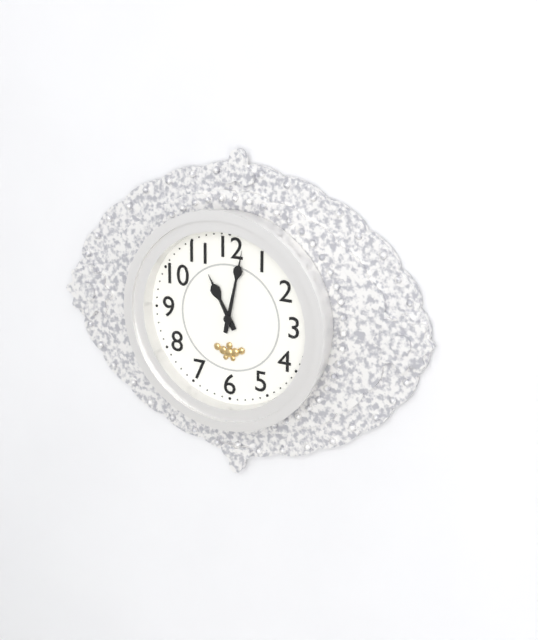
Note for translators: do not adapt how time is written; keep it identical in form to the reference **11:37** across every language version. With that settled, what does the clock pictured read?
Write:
**11:02**
